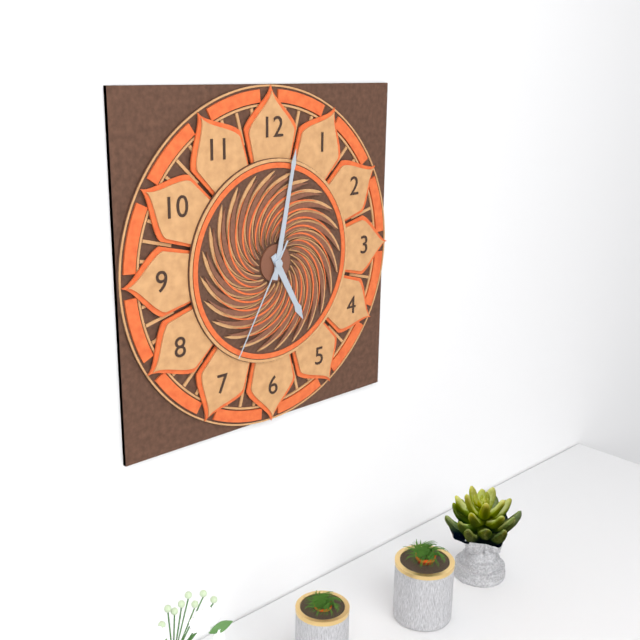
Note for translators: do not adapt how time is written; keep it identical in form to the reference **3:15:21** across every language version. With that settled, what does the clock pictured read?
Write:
**5:02:35**
